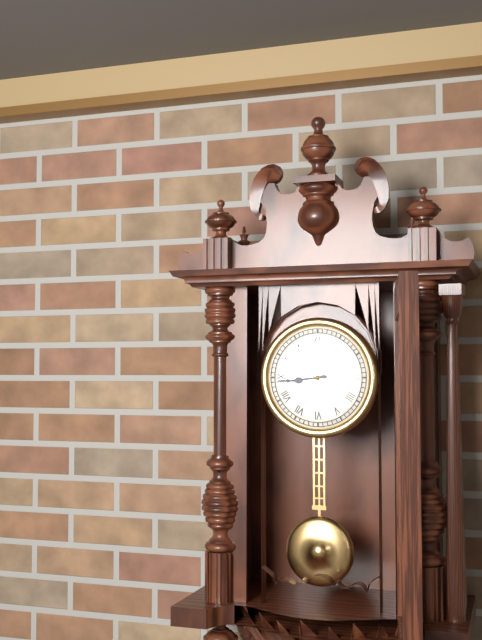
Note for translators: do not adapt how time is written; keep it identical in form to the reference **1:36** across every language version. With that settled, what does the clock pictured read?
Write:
**8:44**
